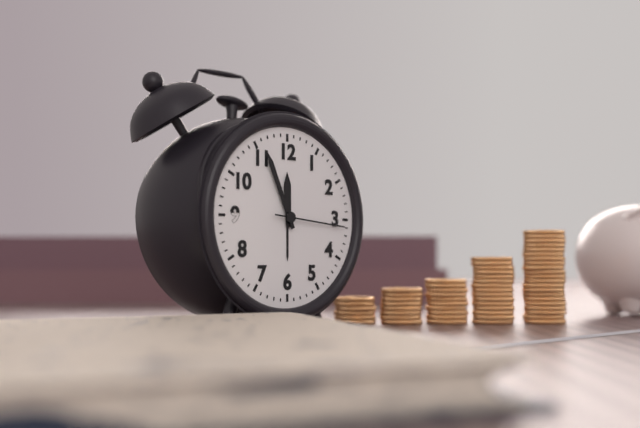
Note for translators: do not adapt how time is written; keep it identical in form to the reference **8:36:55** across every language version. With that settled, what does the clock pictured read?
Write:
**11:56:16**
